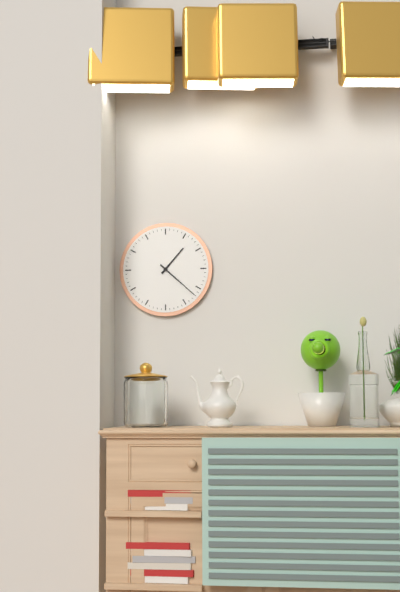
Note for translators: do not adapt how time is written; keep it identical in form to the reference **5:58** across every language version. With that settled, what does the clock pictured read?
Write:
**1:22**
